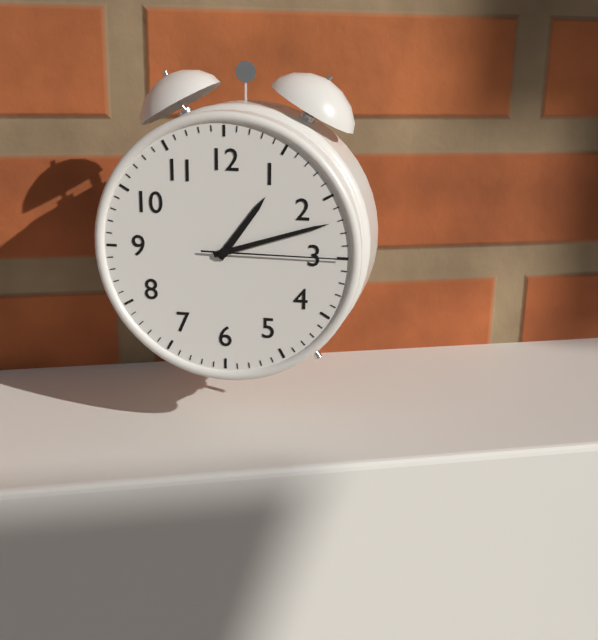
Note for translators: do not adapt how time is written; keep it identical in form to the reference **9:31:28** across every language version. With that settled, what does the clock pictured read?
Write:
**1:12:15**
